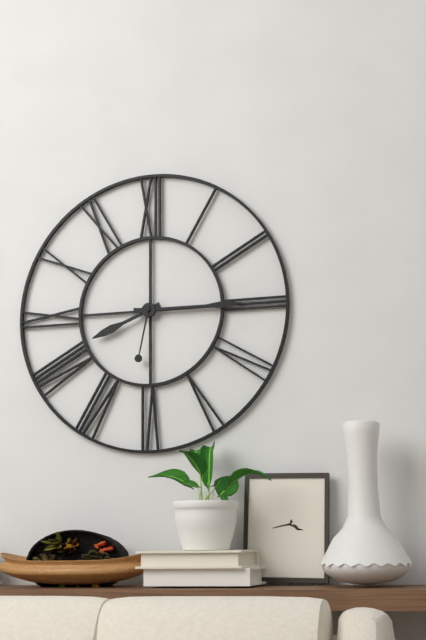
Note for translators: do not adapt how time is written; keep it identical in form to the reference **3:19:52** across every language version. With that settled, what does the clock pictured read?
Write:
**8:15:32**
